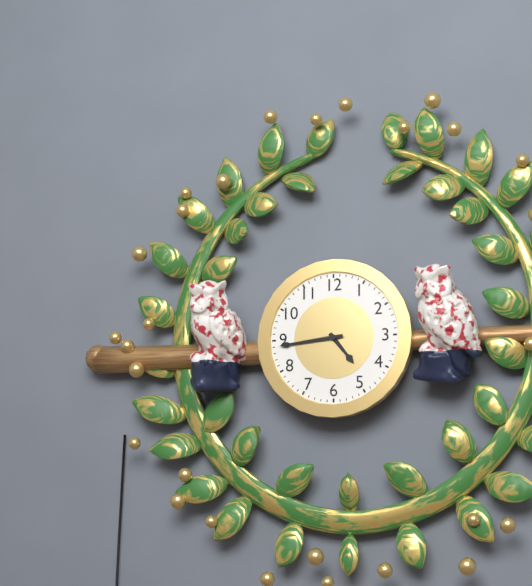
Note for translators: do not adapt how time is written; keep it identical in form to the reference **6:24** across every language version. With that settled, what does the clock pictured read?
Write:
**4:44**
